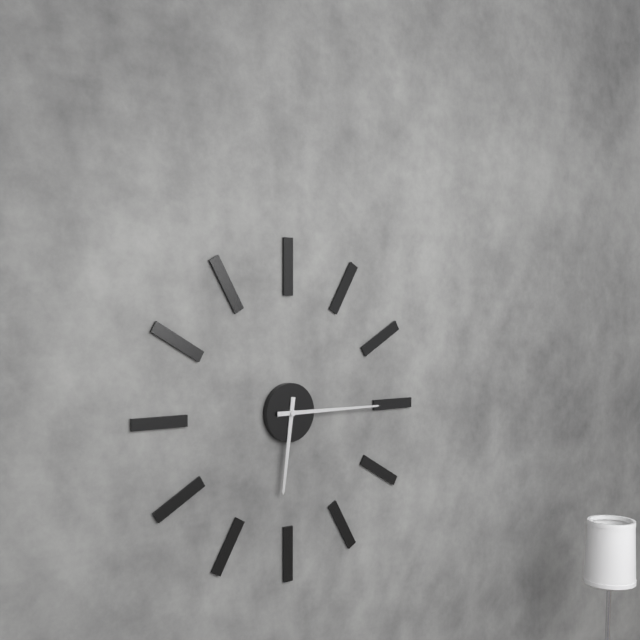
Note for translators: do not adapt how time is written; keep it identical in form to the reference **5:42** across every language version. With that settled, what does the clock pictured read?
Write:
**6:15**
